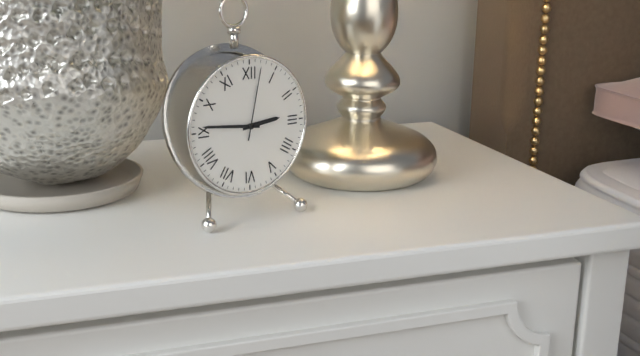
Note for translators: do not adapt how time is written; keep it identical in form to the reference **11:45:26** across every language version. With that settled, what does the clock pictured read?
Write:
**2:46:02**
